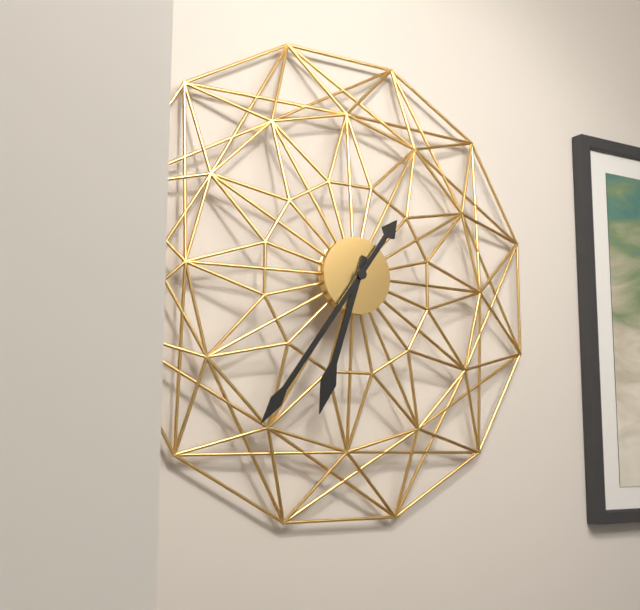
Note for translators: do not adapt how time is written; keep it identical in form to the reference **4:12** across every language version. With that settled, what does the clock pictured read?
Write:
**6:36**
